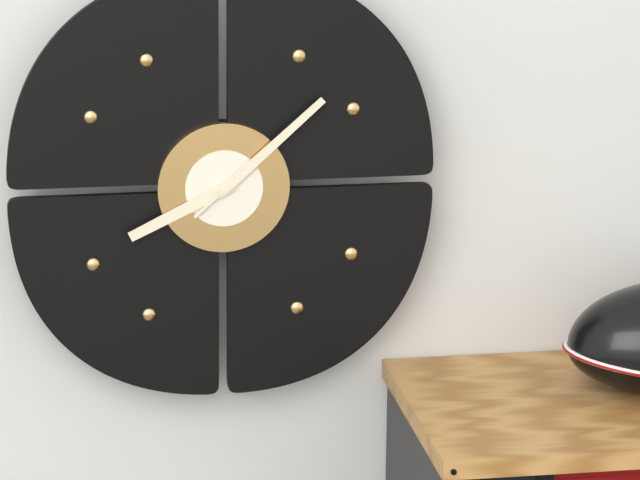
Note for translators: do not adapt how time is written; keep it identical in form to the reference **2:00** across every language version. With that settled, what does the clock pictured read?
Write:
**8:08**
